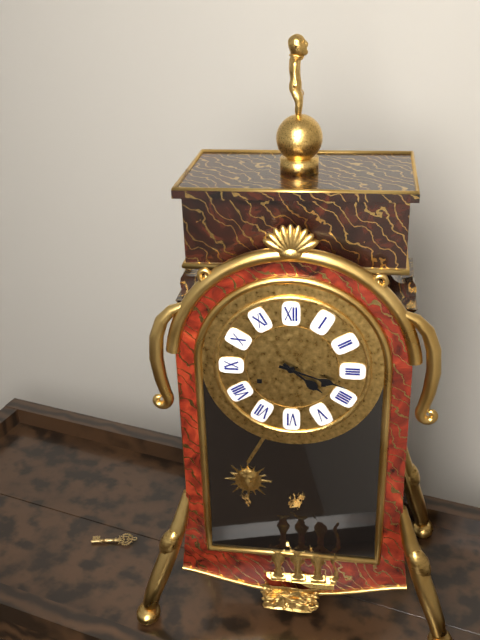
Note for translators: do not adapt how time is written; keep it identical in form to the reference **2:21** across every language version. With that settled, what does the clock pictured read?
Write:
**4:18**
